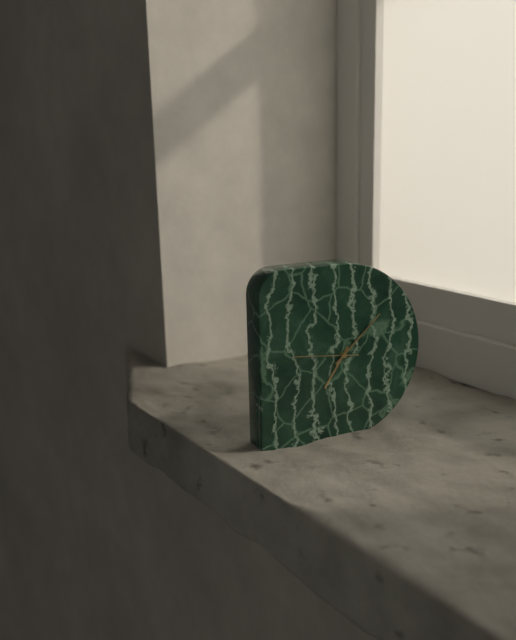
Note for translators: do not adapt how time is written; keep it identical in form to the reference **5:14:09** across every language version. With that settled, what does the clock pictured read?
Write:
**7:08:46**
